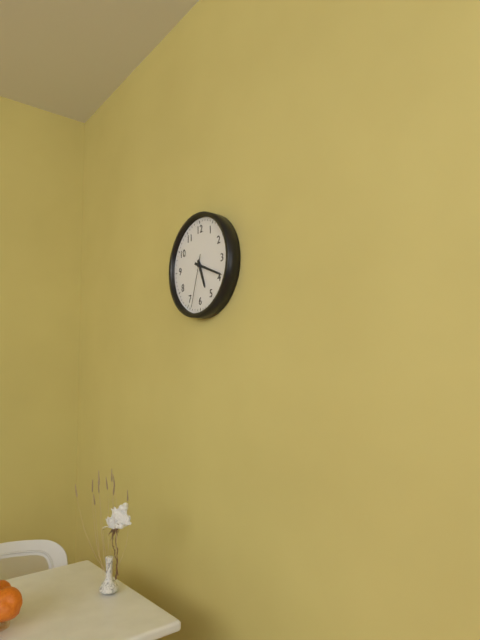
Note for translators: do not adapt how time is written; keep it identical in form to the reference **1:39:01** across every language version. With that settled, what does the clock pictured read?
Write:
**5:19:33**
